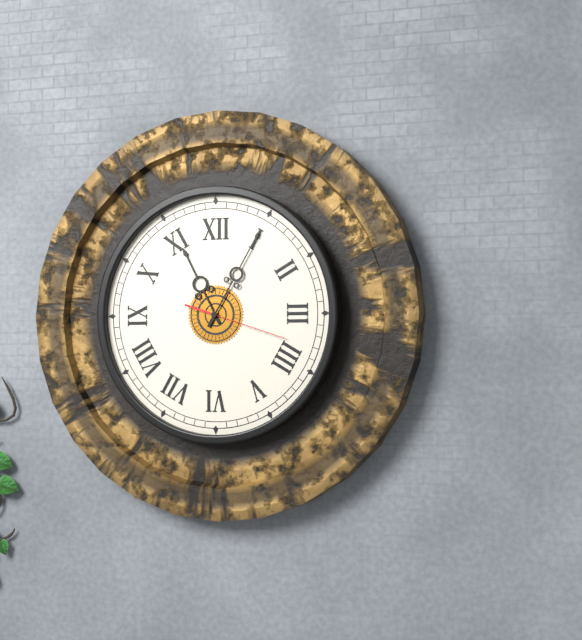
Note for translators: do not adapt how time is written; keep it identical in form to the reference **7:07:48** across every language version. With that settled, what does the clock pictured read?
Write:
**11:05:18**
